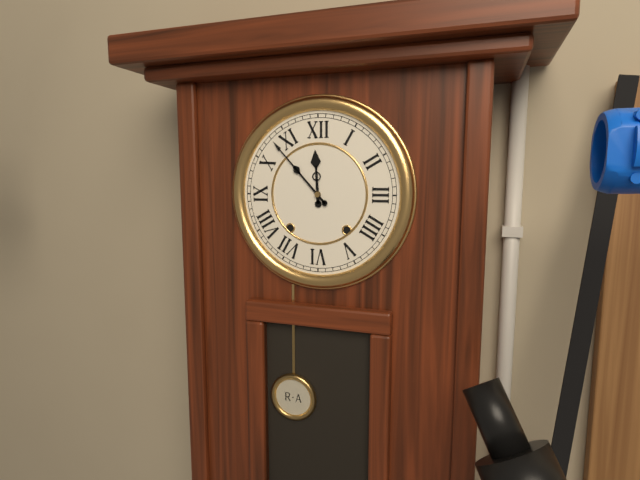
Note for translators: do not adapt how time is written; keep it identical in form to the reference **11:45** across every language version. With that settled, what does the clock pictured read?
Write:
**11:53**
